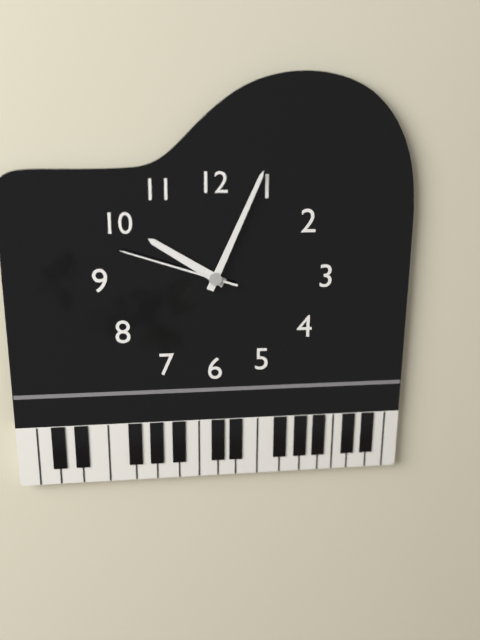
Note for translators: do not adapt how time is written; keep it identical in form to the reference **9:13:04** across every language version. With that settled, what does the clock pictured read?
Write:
**10:04:48**
